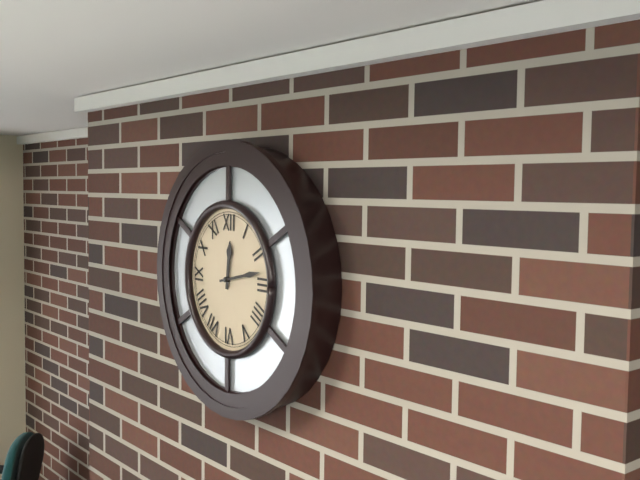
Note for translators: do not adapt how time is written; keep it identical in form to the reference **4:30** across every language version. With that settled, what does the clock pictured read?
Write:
**12:13**
